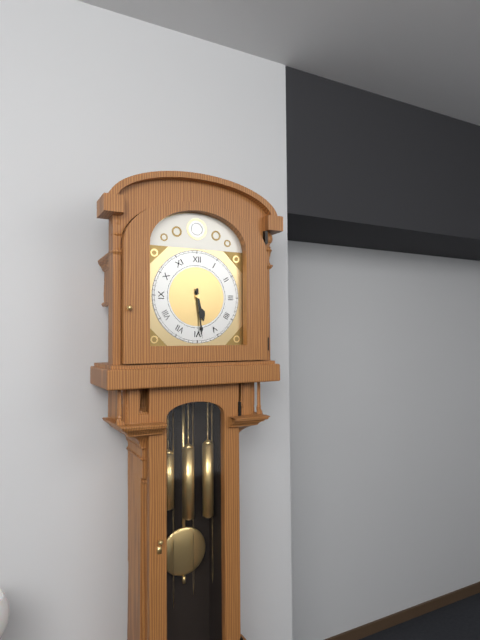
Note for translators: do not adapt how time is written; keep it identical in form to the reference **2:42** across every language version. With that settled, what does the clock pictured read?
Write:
**5:29**
